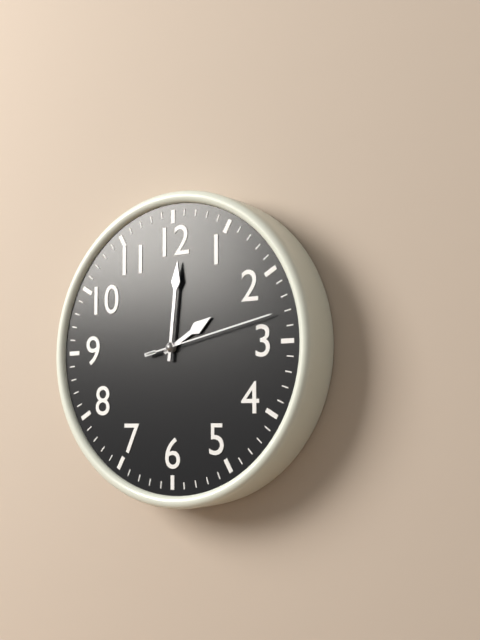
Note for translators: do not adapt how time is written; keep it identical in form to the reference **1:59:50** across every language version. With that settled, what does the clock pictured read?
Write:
**2:01:13**
